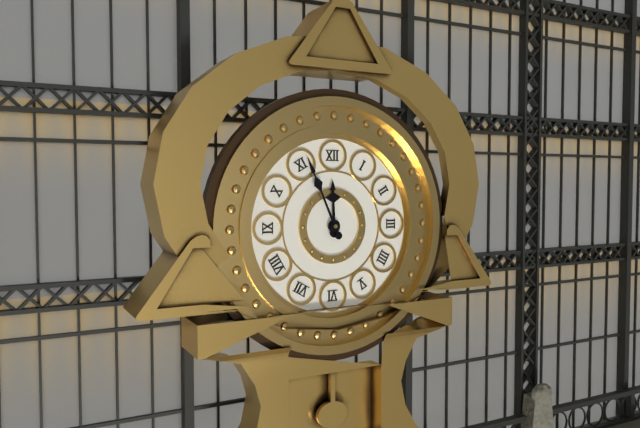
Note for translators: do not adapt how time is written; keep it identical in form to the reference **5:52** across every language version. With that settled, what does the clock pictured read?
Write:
**11:56**
